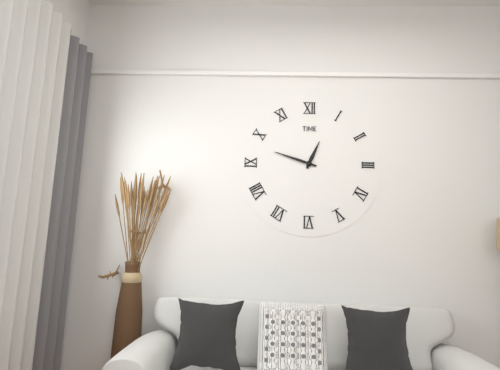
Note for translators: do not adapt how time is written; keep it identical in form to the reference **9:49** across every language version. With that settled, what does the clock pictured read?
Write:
**12:48**
